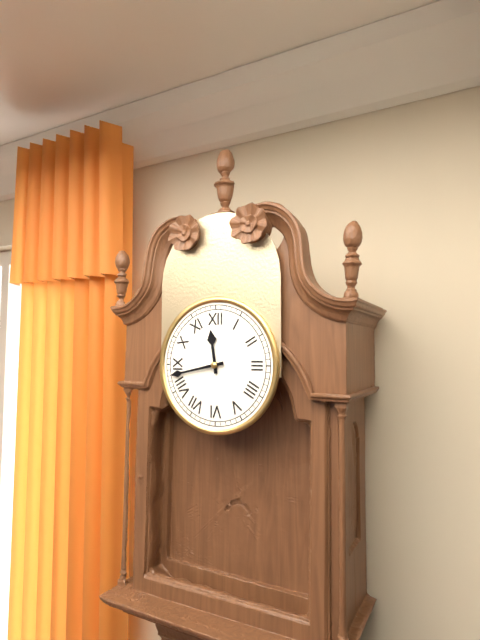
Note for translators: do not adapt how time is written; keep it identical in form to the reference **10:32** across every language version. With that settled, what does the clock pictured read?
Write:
**11:43**
